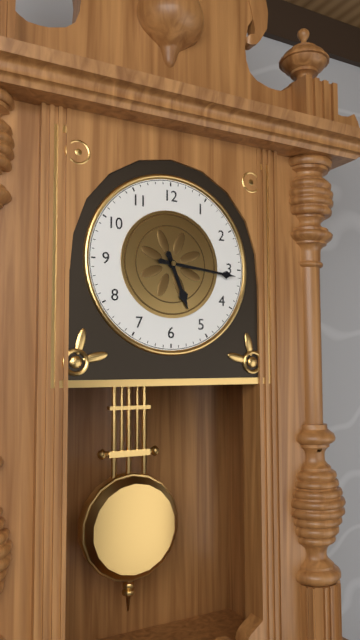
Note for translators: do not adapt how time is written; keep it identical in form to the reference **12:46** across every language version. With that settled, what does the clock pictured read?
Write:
**5:16**
